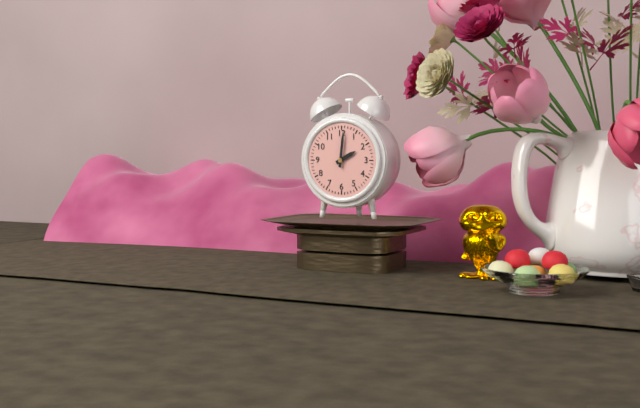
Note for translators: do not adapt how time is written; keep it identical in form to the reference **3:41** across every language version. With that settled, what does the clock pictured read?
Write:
**2:01**
